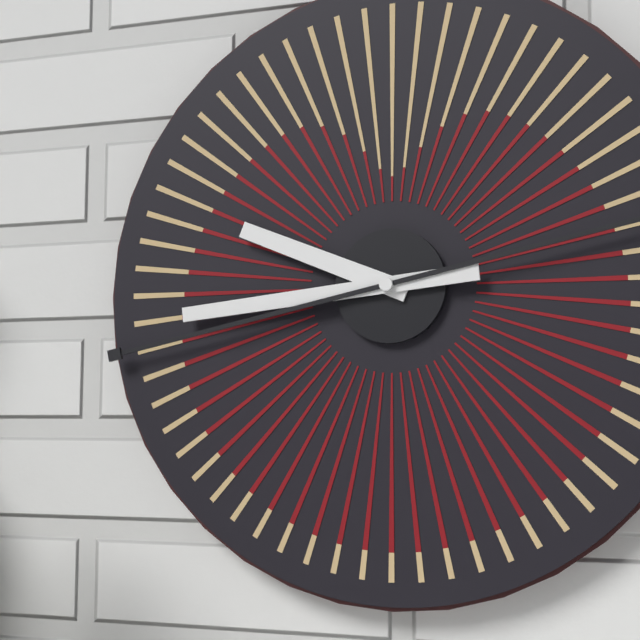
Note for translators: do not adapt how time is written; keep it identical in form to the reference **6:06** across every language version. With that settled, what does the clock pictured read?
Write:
**9:44**
